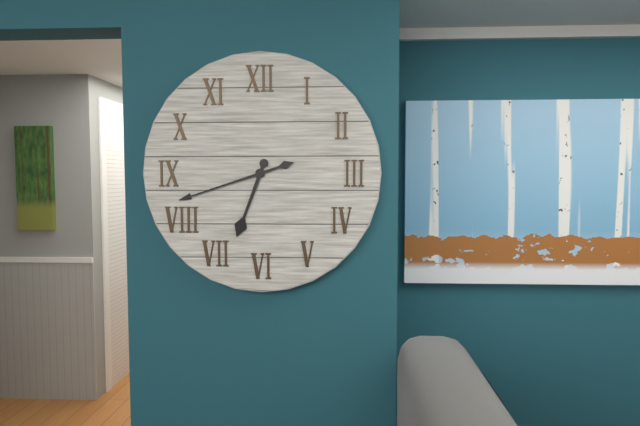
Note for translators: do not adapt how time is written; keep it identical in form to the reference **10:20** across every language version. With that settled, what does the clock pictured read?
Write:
**6:42**
